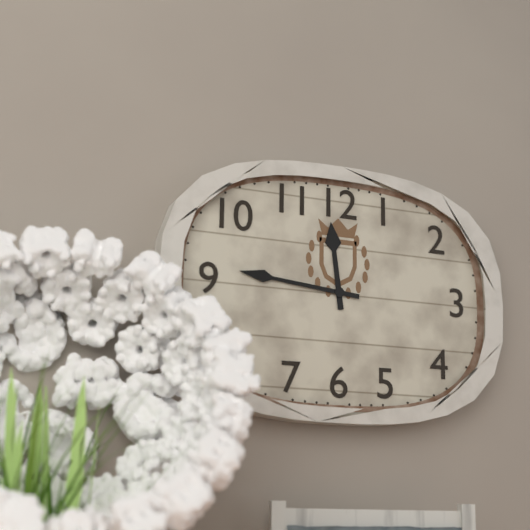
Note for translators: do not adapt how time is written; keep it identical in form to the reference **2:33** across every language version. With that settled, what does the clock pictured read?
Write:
**11:46**
